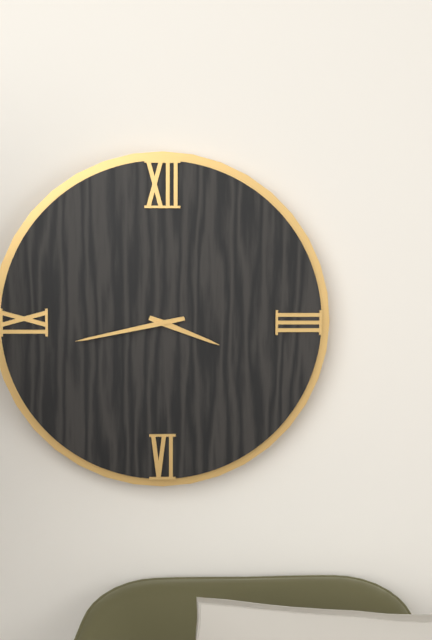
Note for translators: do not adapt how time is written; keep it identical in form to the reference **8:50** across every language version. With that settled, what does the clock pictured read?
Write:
**3:43**
